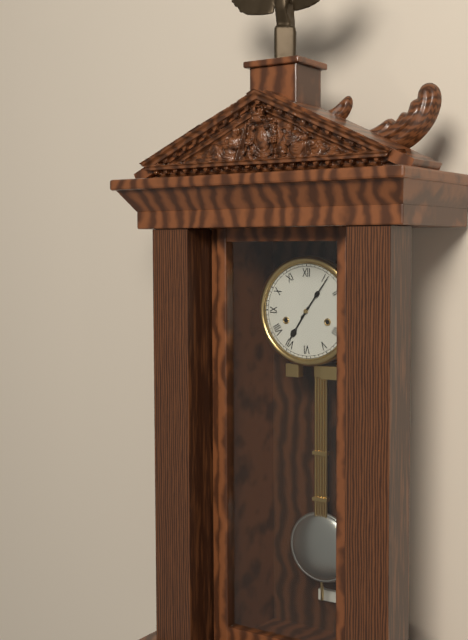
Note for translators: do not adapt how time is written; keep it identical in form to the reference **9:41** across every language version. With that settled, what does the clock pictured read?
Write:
**7:06**
